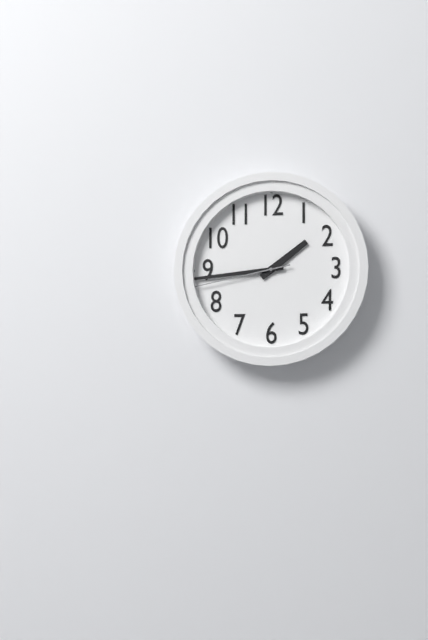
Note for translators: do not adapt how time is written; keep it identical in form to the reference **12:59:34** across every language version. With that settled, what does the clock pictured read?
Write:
**1:44:43**
